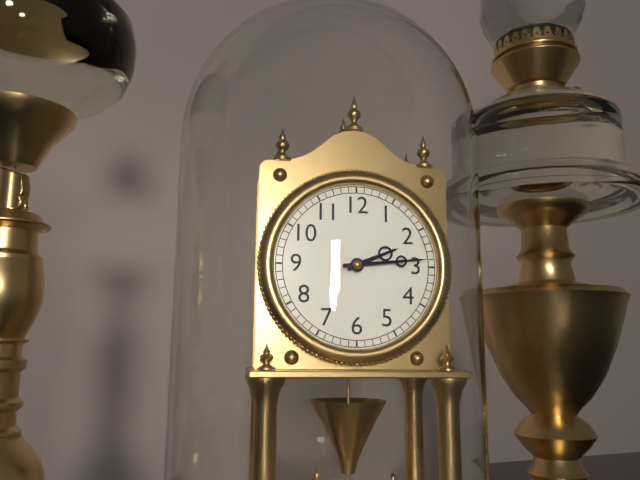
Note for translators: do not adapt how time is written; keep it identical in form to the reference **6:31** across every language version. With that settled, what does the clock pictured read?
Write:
**2:14**
